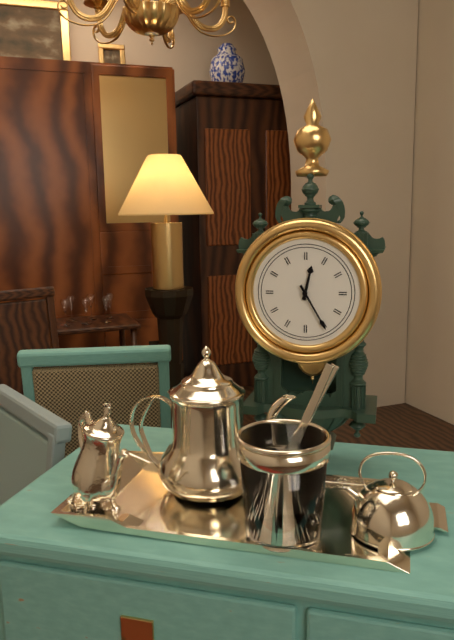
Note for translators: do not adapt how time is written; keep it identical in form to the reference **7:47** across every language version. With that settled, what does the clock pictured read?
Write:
**12:25**
